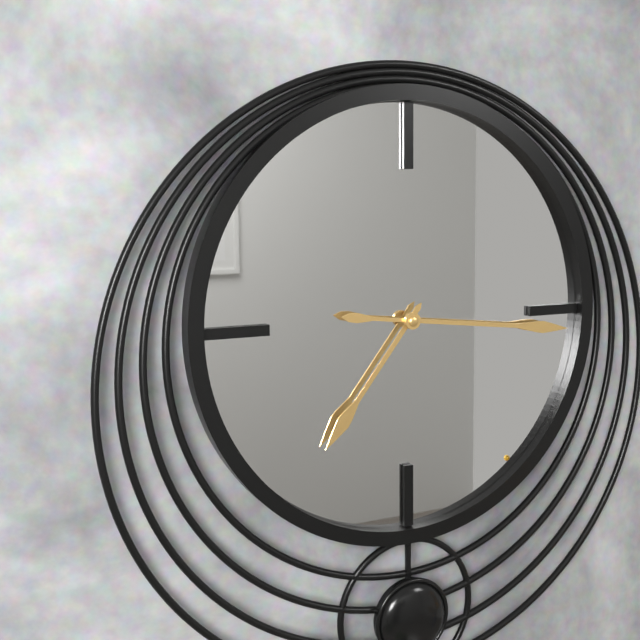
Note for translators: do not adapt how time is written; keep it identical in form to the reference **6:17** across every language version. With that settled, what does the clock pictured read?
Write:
**7:16**
